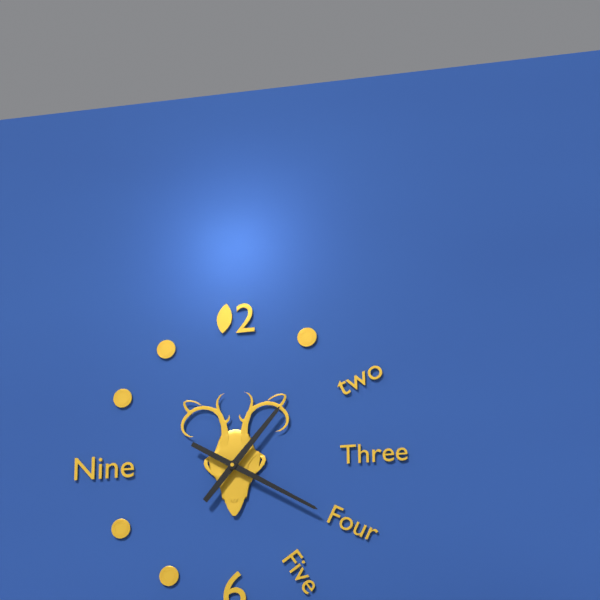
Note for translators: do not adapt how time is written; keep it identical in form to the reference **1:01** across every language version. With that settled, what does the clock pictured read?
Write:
**1:20**
